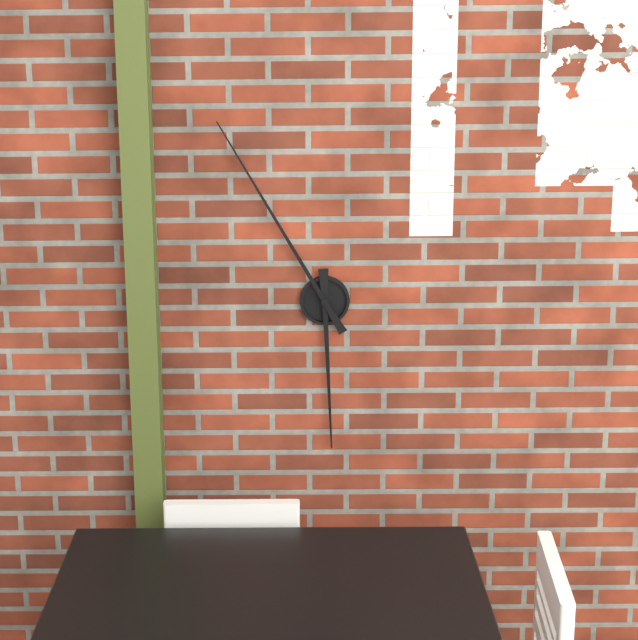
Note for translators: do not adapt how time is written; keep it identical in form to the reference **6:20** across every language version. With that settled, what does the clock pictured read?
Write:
**5:55**
